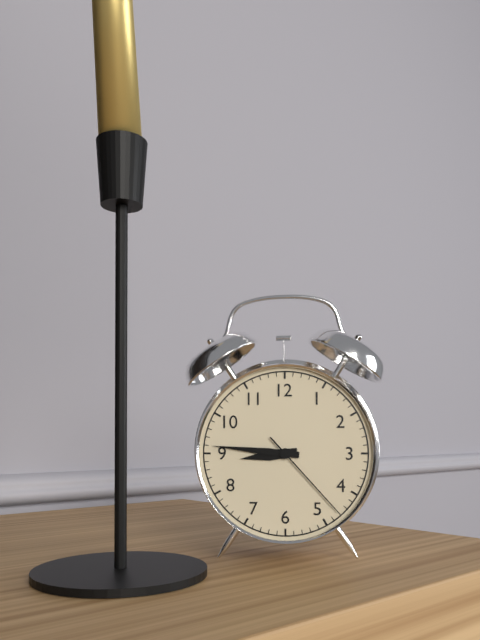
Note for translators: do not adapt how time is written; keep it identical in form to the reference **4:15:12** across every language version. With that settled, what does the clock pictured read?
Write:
**8:46:23**
